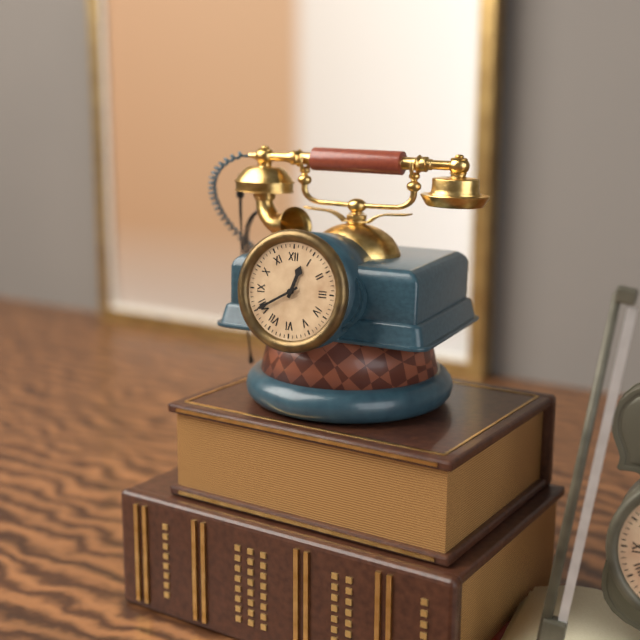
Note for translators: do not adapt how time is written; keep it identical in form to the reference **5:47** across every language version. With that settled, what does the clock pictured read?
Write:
**12:40**
